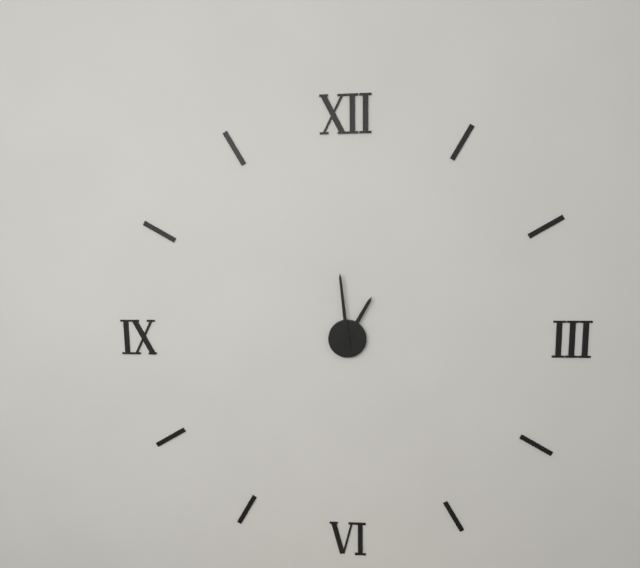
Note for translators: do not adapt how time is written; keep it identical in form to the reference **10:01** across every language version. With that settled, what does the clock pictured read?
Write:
**12:59**
